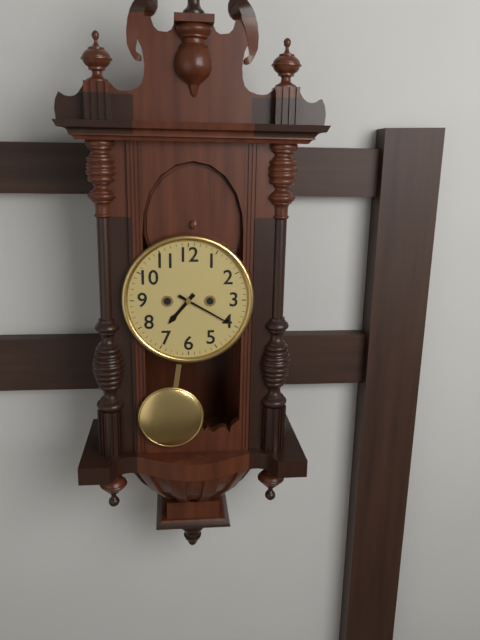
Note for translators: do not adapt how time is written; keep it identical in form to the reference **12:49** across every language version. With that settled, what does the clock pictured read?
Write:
**7:20**
